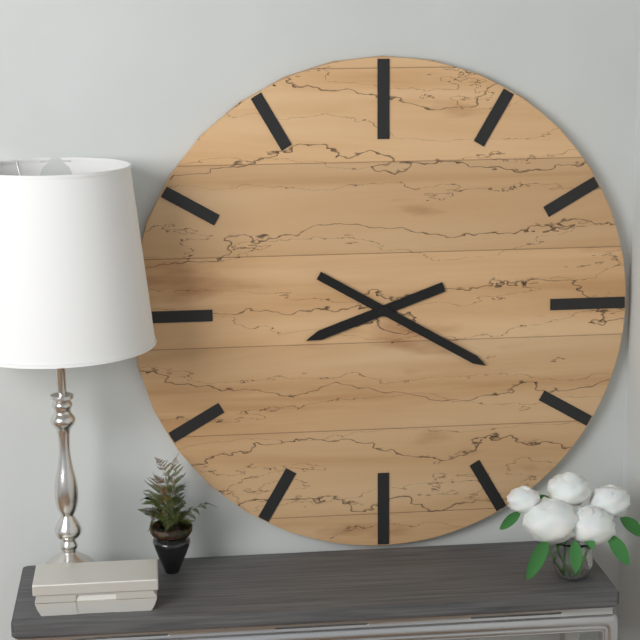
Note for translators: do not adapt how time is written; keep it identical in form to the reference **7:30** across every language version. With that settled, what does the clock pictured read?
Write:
**8:20**
